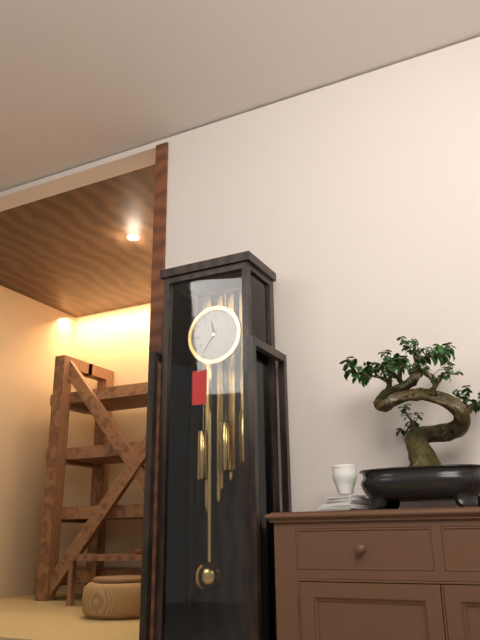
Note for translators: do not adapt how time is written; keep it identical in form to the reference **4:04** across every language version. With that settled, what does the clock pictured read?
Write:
**11:36**
